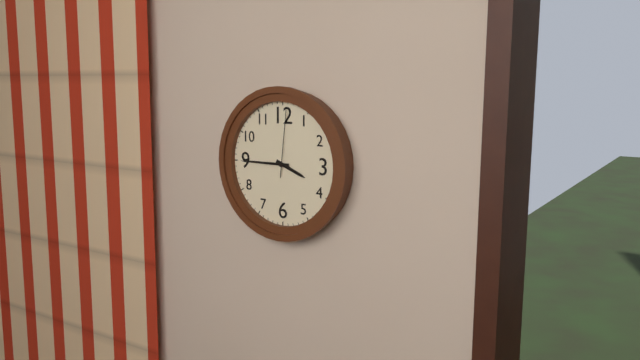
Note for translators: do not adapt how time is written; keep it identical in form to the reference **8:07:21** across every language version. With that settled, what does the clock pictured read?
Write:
**3:45:01**
